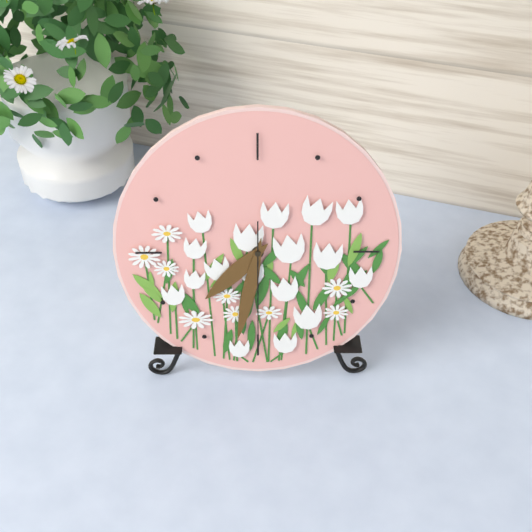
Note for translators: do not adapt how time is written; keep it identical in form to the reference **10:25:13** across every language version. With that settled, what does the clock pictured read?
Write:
**7:32:30**
